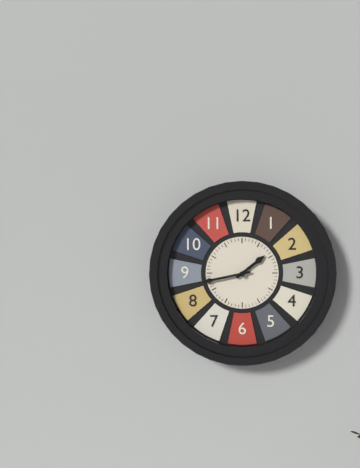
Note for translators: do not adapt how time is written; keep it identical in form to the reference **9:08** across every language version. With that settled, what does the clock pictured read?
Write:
**1:43**
